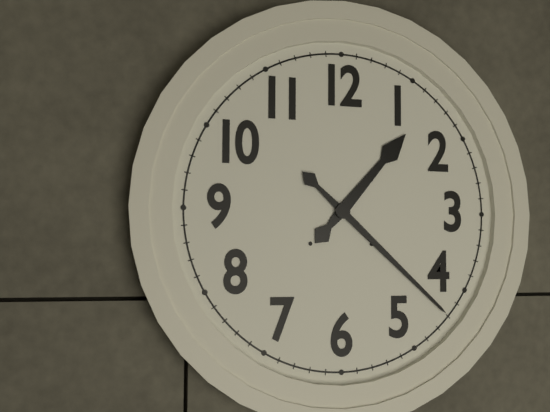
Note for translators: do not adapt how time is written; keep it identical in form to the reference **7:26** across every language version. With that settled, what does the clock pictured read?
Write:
**1:22**
